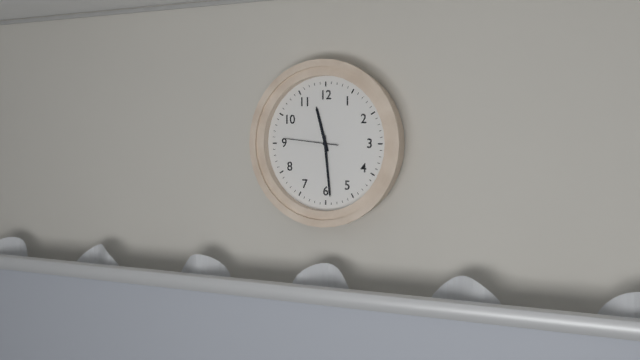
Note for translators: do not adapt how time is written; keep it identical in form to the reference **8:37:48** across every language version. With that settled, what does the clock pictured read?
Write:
**11:29:46**
